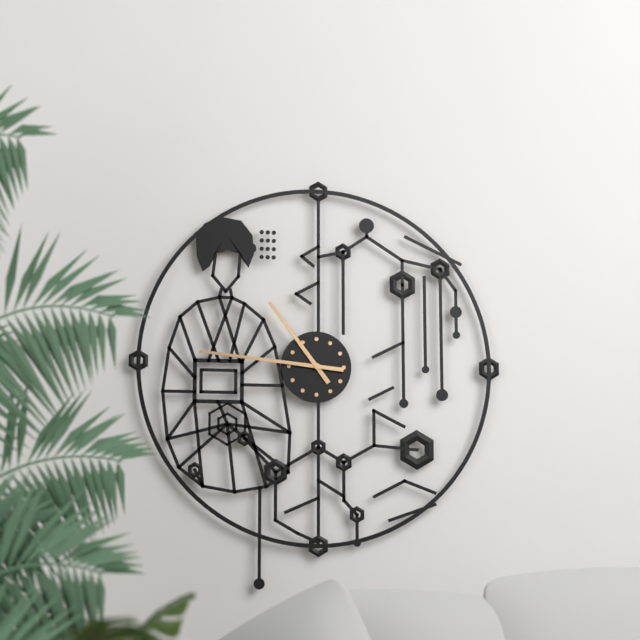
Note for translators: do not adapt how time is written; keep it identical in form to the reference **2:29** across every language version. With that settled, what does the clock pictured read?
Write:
**10:46**
